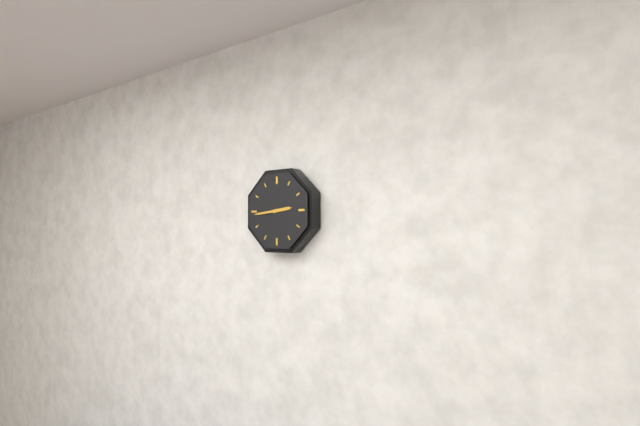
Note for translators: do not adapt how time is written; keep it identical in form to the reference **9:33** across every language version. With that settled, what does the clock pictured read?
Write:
**2:44**
